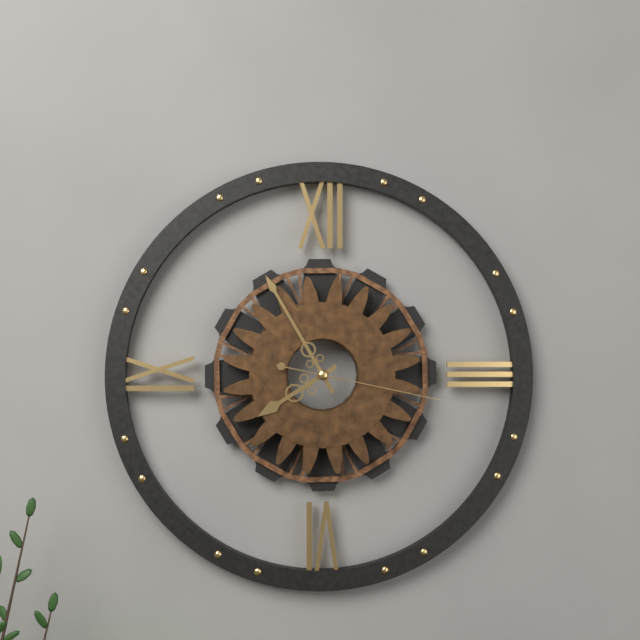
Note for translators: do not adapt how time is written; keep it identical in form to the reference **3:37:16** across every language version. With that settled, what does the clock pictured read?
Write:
**7:55:17**
